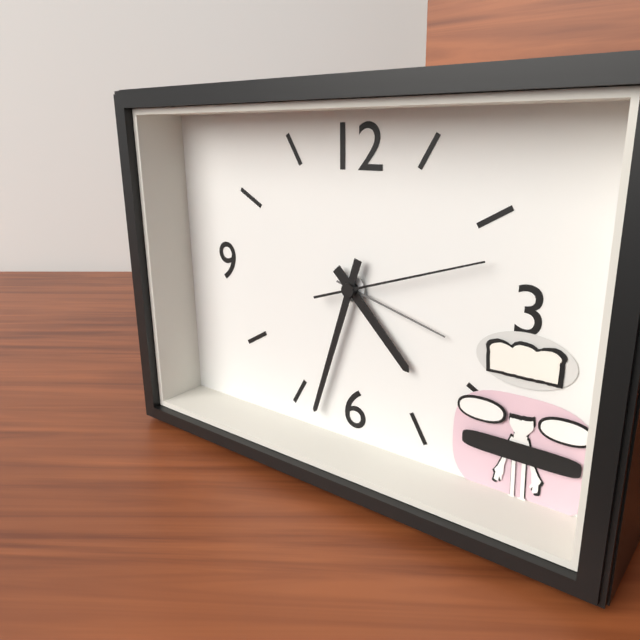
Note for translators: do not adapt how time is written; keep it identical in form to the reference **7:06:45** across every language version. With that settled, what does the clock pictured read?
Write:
**4:33:12**
